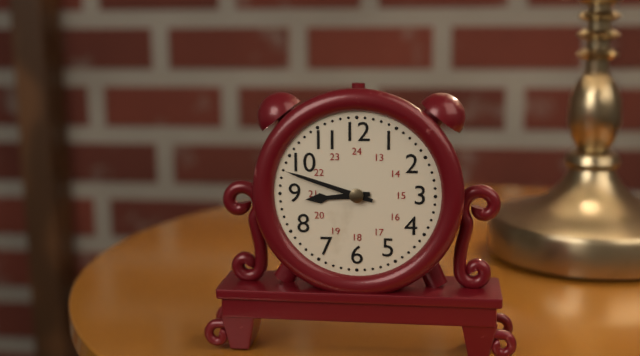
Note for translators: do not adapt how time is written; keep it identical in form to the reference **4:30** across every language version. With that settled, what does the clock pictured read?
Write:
**8:48**
